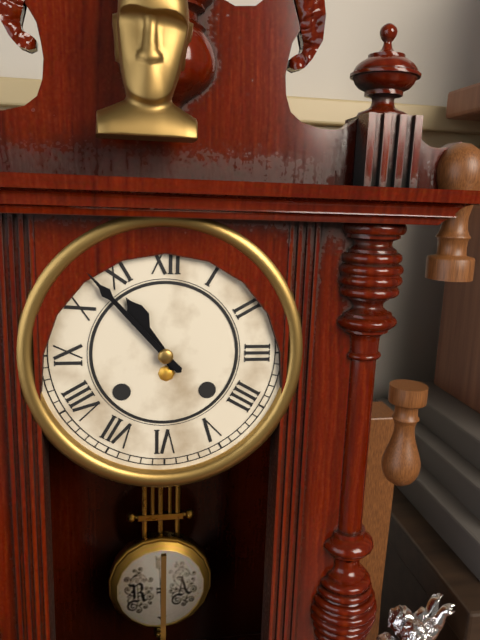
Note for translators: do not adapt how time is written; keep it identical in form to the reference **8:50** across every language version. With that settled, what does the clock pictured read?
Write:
**10:53**
